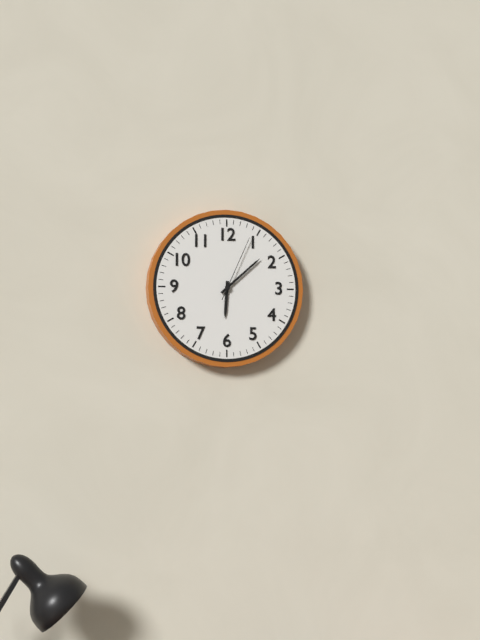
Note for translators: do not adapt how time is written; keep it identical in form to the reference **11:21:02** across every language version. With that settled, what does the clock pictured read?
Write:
**6:08:04**
